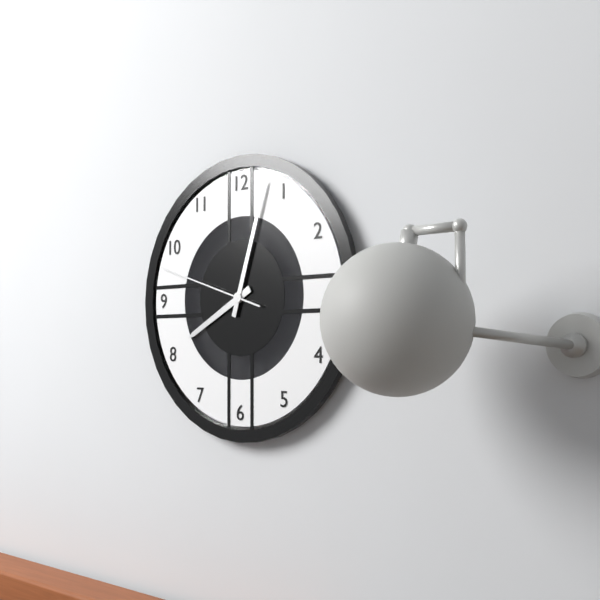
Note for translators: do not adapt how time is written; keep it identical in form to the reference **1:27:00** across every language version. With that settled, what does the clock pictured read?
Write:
**8:03:48**
